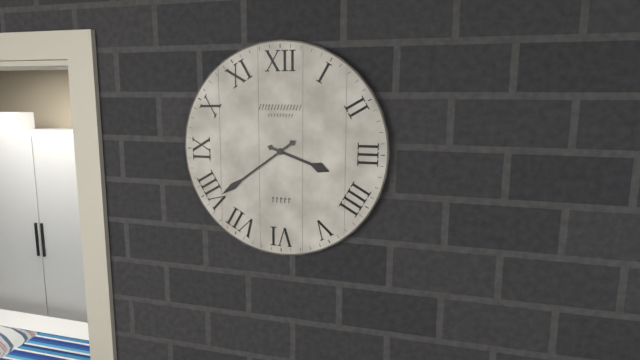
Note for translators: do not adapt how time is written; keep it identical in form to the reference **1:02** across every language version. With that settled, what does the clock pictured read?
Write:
**3:39**
